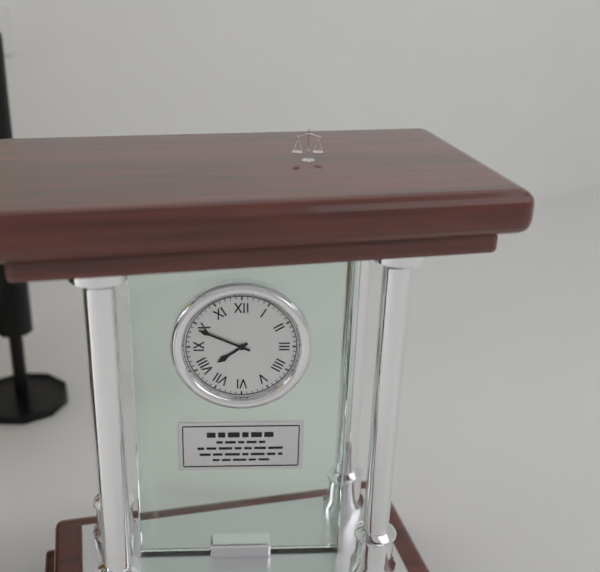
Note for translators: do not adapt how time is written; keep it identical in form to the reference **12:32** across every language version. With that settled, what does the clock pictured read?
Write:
**7:49**
